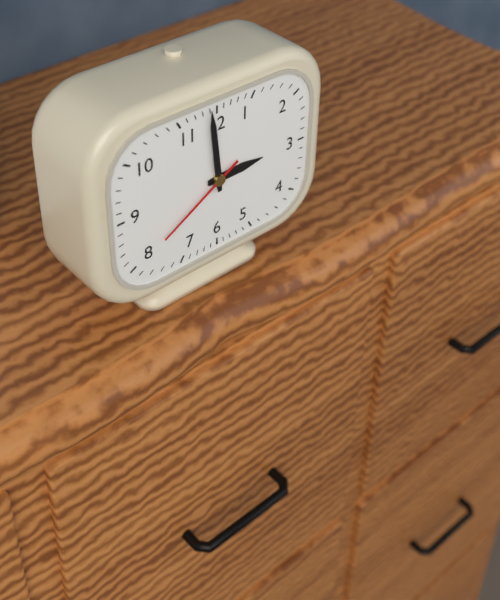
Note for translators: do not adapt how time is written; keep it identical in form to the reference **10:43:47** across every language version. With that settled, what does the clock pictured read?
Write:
**2:59:40**
